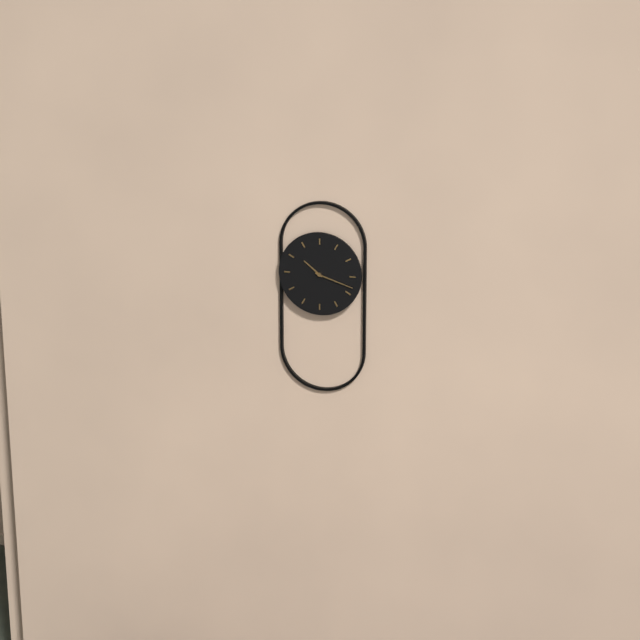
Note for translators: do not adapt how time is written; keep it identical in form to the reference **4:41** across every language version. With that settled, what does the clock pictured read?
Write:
**10:18**
